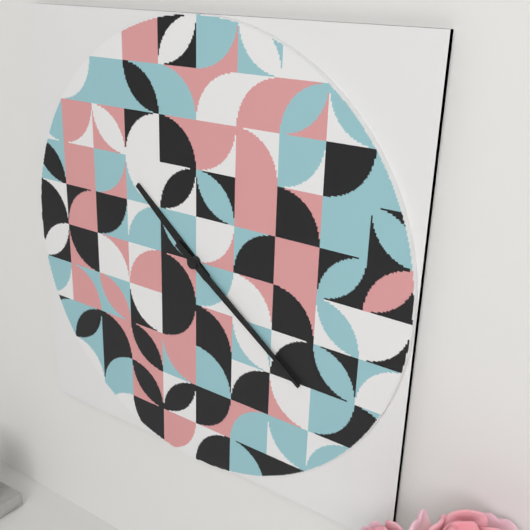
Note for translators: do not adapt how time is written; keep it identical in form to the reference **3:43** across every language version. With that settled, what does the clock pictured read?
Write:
**10:21**
